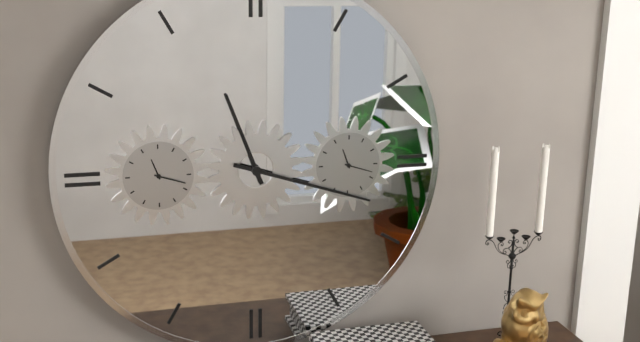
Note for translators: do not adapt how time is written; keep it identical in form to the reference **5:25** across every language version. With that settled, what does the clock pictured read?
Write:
**11:18**
